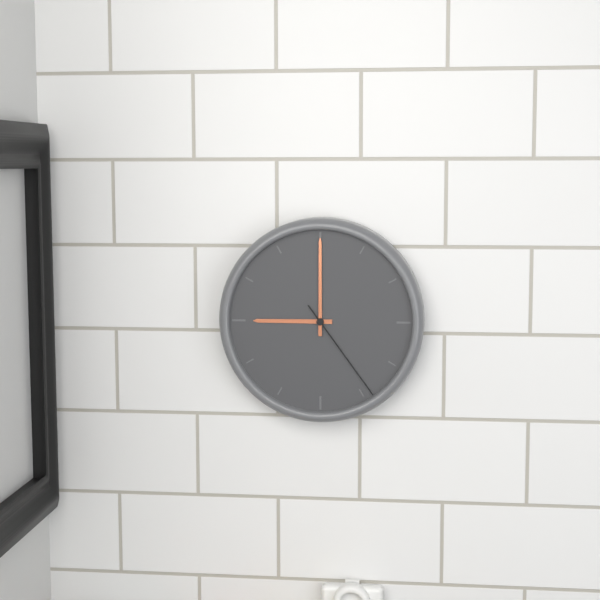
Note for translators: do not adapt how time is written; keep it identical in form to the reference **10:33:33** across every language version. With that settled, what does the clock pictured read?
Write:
**9:00:24**
